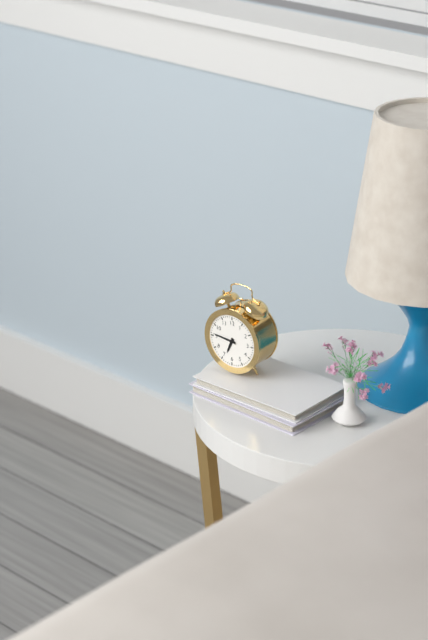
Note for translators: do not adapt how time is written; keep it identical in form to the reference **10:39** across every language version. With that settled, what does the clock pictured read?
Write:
**6:46**
